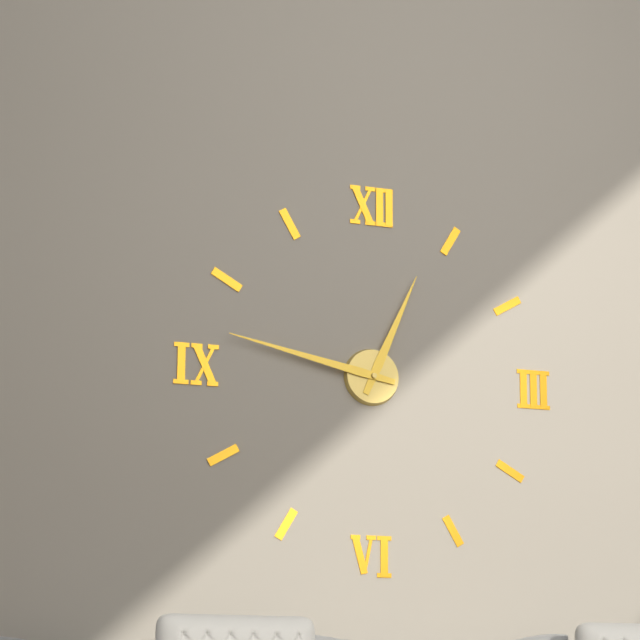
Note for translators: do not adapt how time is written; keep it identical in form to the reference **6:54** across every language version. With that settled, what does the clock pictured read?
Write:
**12:47**
